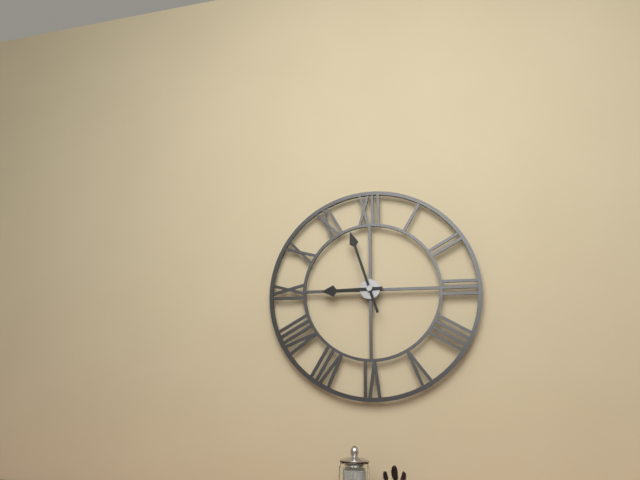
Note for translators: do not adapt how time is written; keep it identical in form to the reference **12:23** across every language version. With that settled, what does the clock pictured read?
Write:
**8:57**
